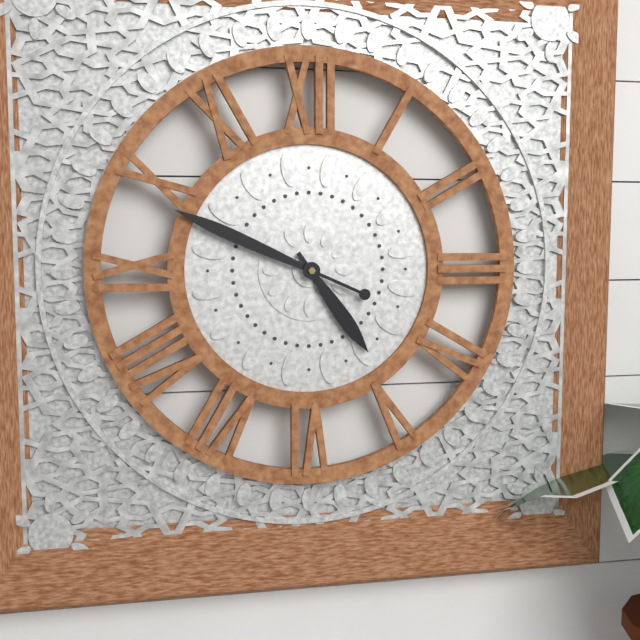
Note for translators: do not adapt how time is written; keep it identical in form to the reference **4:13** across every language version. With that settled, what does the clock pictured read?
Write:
**4:49**
